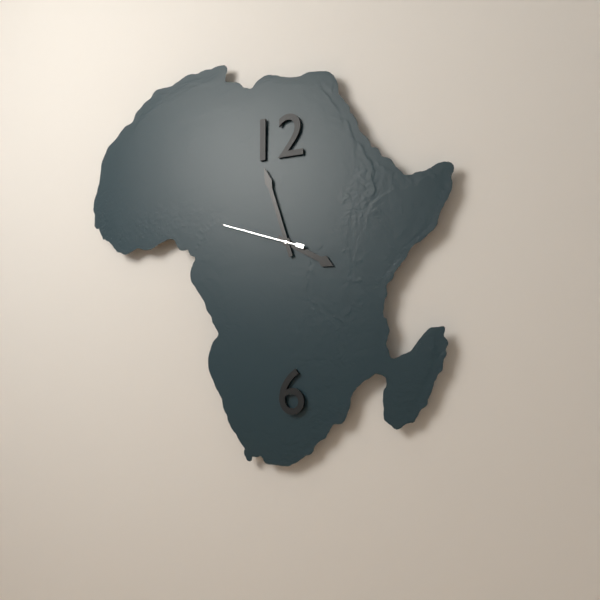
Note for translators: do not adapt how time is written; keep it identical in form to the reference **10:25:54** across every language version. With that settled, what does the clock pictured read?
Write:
**3:57:48**
